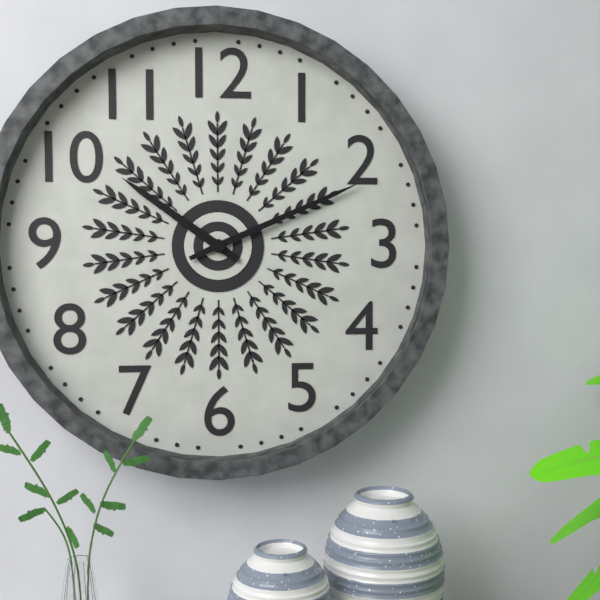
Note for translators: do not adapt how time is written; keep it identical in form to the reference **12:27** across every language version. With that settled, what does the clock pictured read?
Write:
**10:11**
